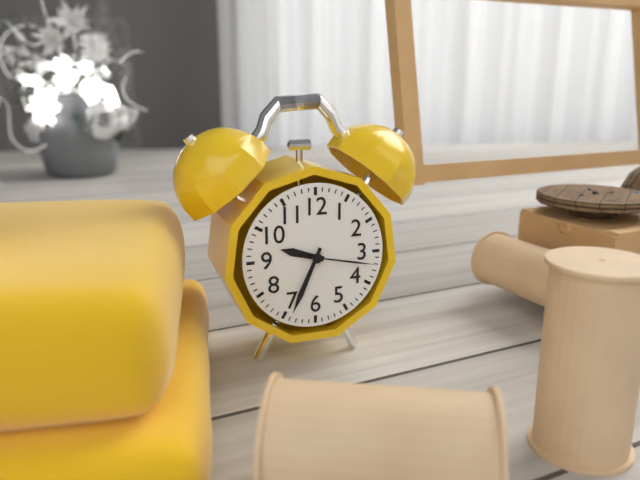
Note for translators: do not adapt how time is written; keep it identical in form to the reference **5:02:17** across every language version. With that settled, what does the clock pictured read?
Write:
**9:34:17**
